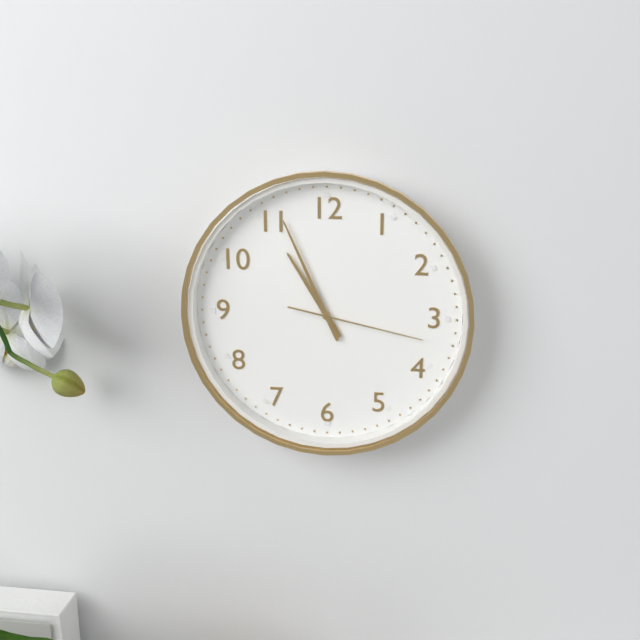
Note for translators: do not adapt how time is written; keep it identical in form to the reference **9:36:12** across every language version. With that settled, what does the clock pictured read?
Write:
**10:56:17**
